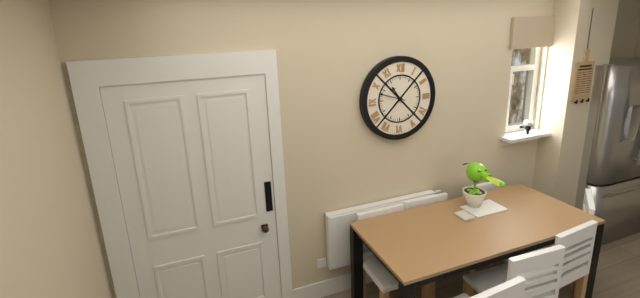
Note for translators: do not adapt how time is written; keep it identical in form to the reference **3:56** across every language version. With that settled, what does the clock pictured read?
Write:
**10:48**
